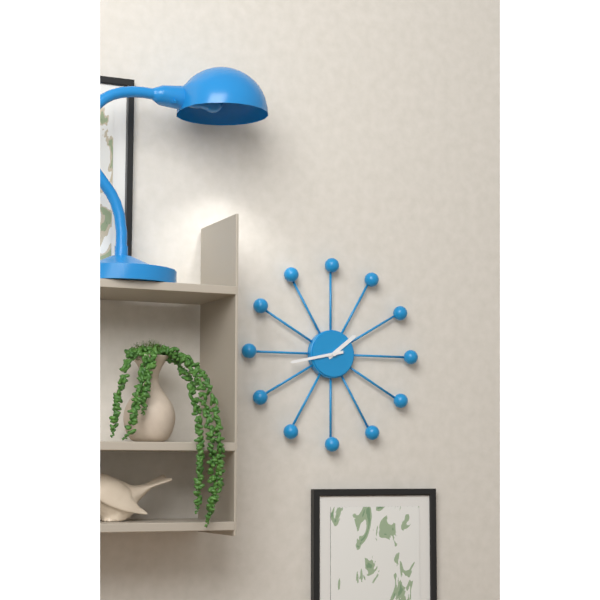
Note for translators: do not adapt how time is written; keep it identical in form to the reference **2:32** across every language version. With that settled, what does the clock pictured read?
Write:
**1:43**
